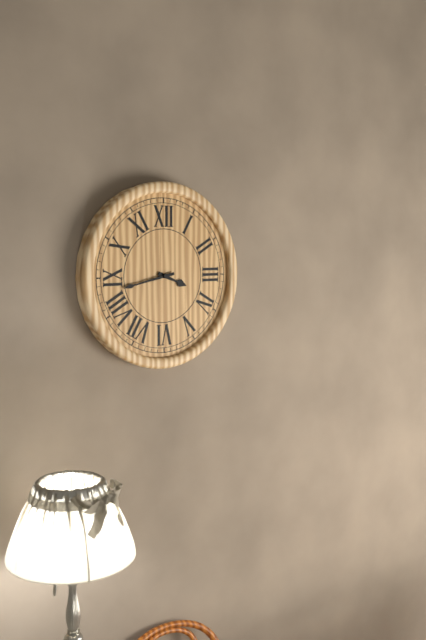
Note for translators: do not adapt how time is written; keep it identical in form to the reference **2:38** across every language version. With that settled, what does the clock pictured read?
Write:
**3:43**
